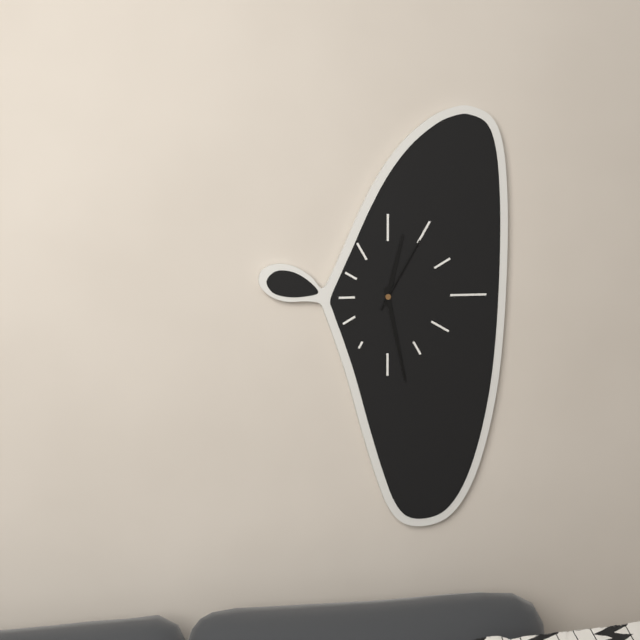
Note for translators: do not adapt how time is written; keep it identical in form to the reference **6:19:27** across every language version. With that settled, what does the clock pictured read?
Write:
**12:28:05**
